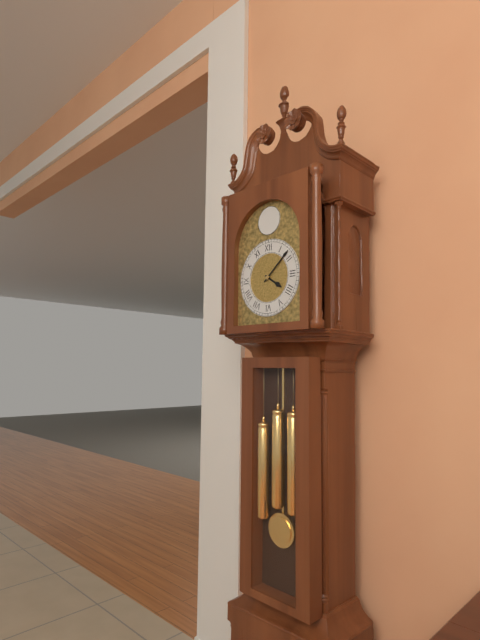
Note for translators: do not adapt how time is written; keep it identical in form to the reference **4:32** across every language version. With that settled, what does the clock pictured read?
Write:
**4:08**
